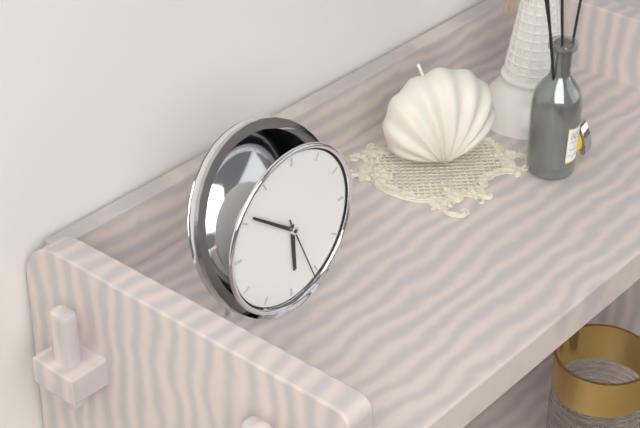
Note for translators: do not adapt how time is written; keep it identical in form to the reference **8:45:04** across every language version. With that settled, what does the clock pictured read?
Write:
**5:51:26**
